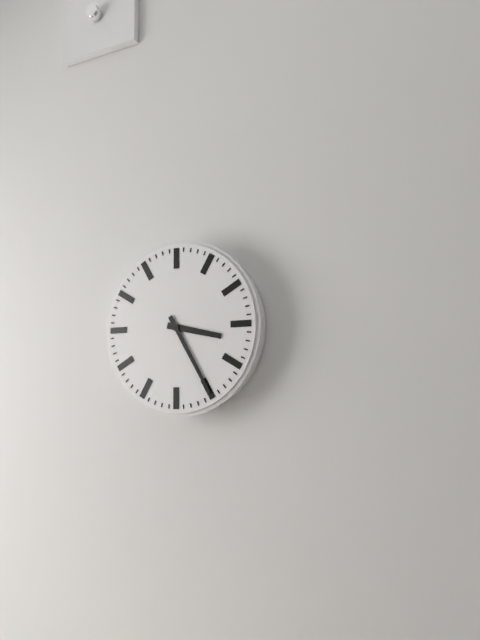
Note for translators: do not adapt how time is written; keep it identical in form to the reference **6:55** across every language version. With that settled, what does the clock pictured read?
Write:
**3:25**
